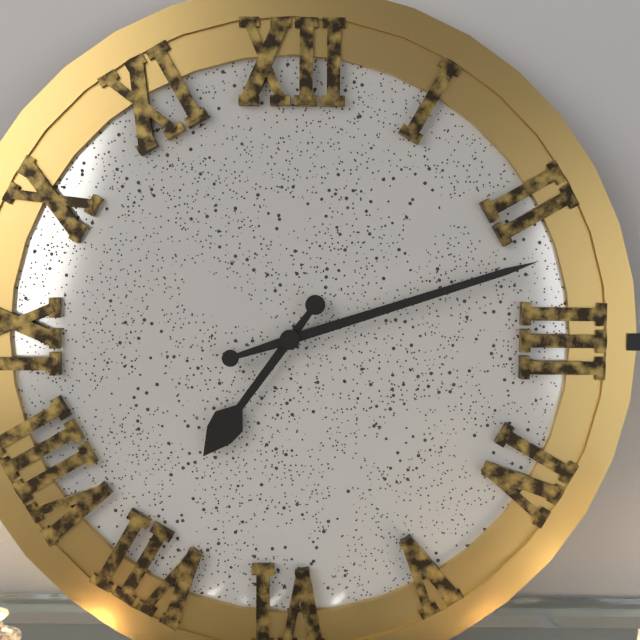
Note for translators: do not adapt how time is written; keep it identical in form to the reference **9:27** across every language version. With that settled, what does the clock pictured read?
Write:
**7:12**
